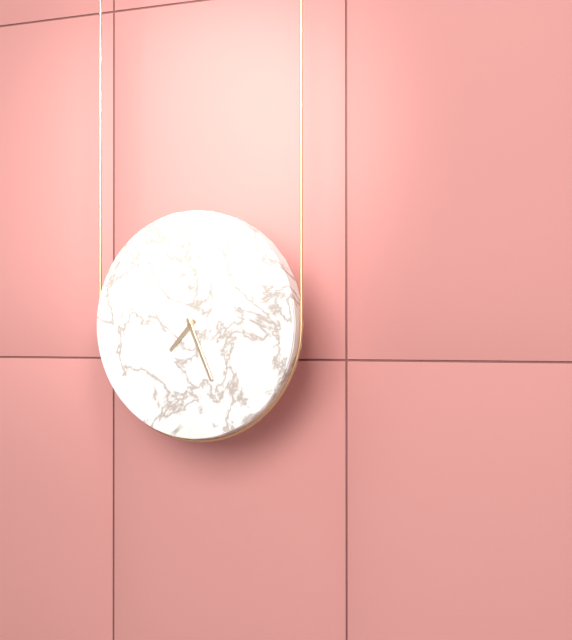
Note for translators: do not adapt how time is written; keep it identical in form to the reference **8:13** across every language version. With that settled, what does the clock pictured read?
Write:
**7:26**
